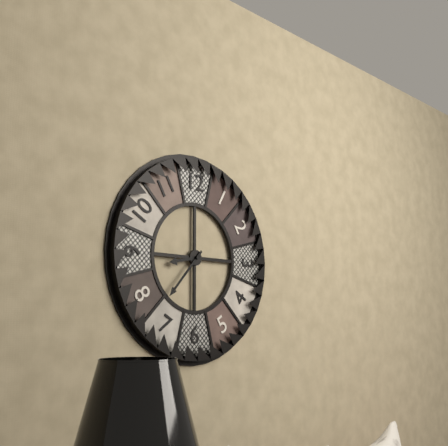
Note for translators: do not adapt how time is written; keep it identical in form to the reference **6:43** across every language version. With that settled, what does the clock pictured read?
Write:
**8:37**
